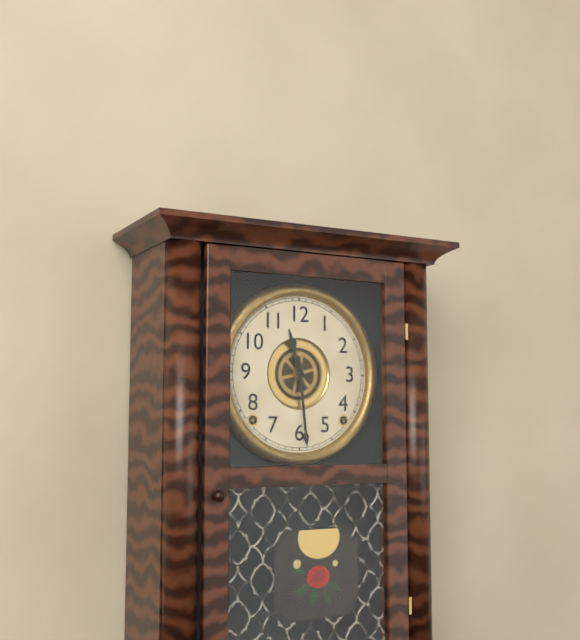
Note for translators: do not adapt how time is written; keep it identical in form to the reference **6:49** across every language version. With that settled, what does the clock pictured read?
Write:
**11:29**
